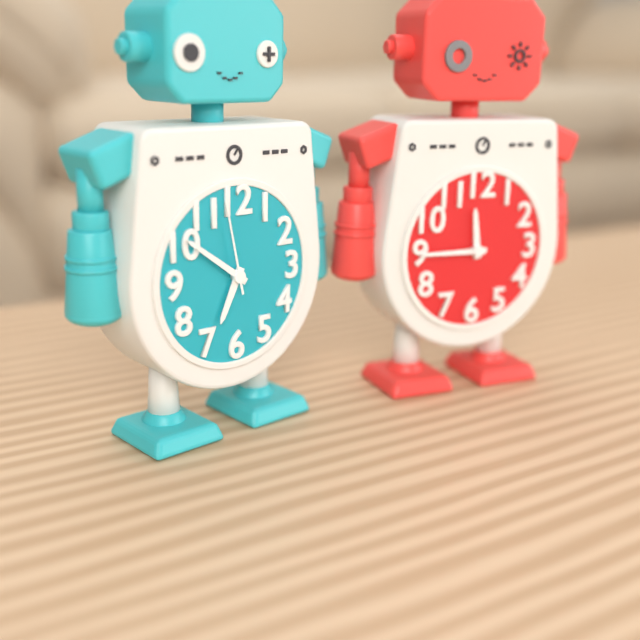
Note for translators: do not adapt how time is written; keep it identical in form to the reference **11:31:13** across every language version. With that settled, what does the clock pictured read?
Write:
**6:51:58**
